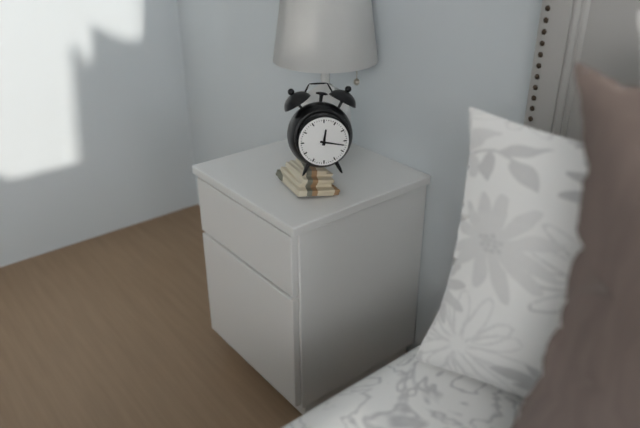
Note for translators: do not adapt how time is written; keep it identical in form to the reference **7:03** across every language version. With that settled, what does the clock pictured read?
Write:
**12:17**
